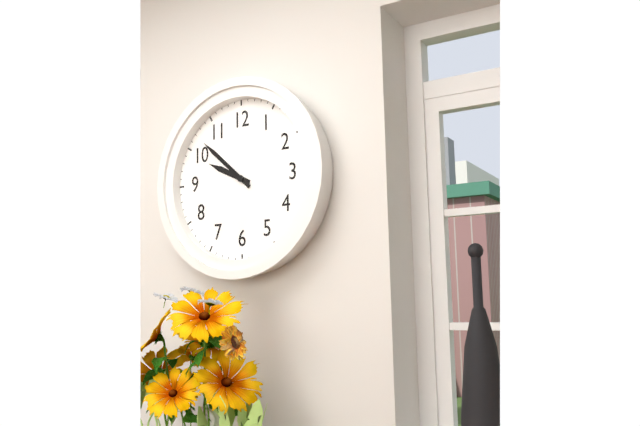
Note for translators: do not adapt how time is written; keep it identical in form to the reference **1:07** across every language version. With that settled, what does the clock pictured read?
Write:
**9:52**
